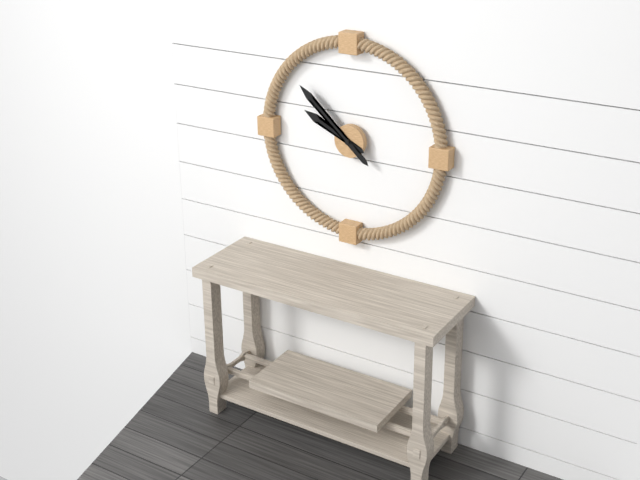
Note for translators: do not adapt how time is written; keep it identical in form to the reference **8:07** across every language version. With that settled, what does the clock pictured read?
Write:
**9:52**
